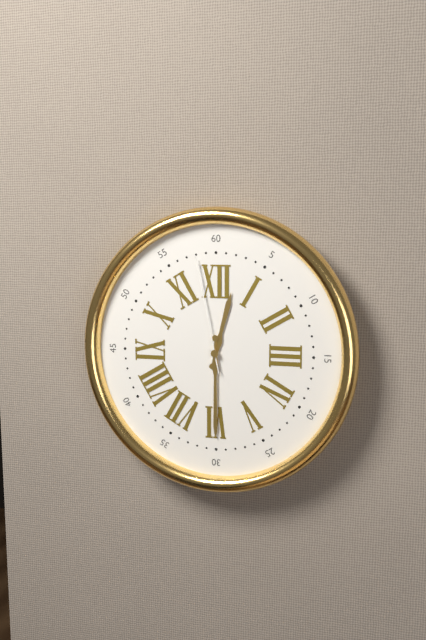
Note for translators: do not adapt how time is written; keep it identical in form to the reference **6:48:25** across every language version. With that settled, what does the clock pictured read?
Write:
**12:30:58**
